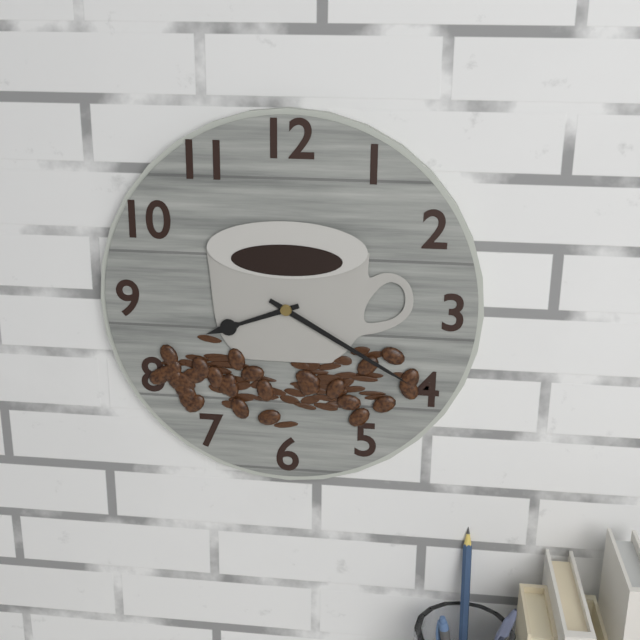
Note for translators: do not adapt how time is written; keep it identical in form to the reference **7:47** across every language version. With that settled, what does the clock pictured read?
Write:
**8:20**
